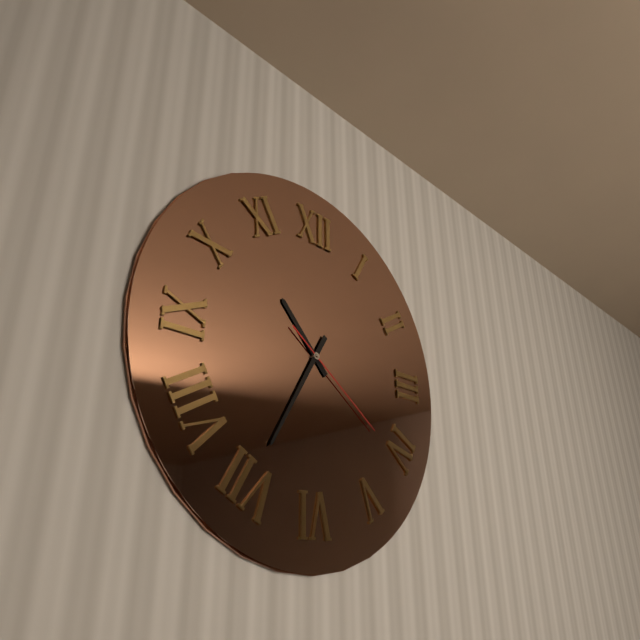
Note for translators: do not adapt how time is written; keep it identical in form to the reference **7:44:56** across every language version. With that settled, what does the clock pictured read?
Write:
**10:35:21**
